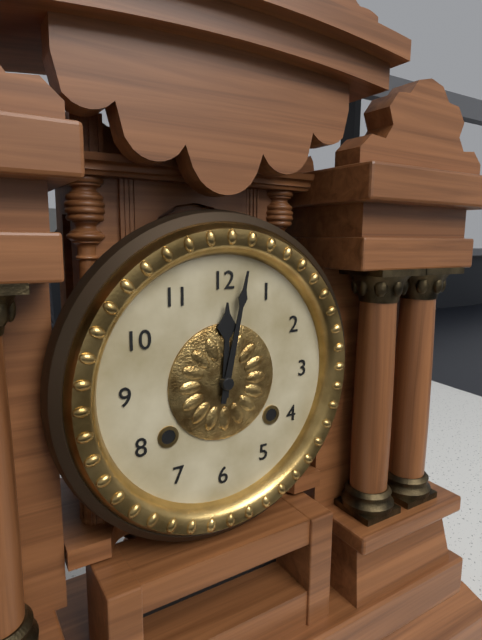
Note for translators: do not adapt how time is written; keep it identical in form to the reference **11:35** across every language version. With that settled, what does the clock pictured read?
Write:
**12:02**
